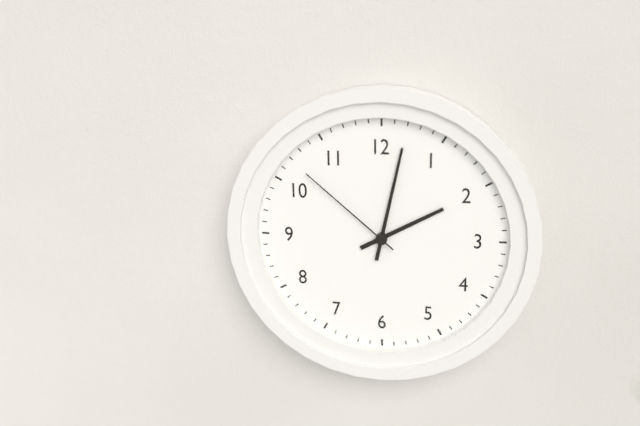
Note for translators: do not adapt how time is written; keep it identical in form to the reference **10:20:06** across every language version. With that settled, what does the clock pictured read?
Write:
**2:02:52**
